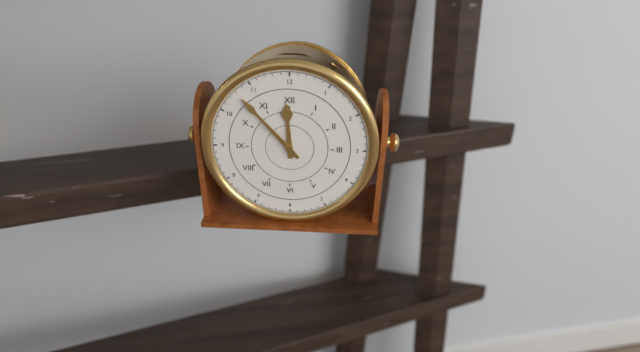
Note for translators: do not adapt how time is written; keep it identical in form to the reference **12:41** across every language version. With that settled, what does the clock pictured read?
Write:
**11:53**
